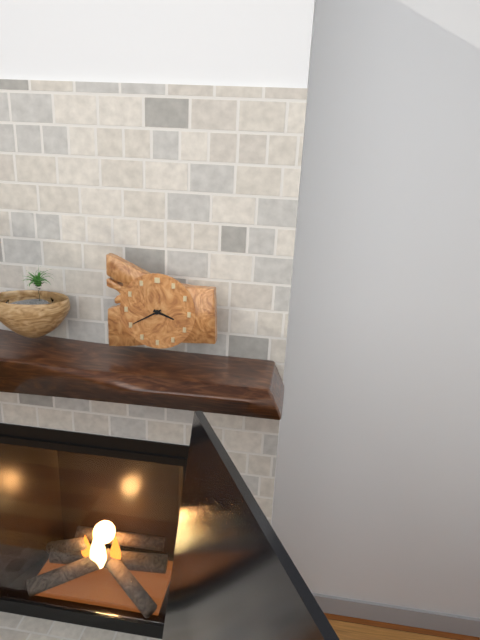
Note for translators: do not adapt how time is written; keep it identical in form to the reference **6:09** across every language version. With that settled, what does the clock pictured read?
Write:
**3:40**
